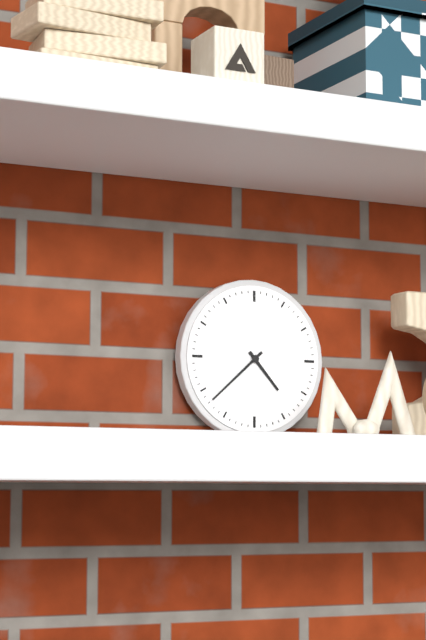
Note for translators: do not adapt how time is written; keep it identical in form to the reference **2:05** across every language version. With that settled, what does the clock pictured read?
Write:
**4:38**
